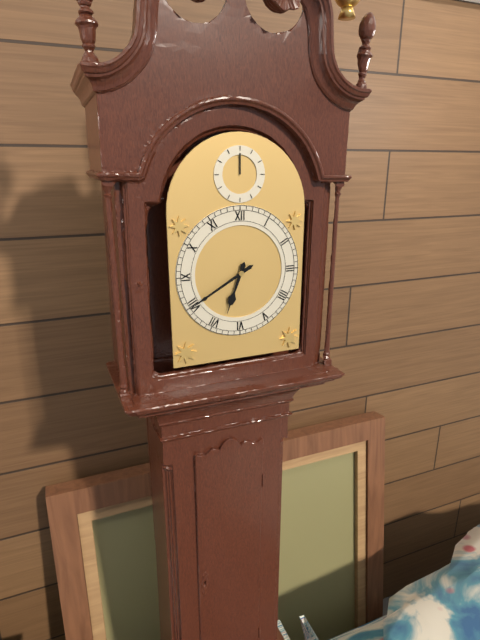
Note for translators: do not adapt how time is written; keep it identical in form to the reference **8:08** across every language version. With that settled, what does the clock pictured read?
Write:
**6:40**
